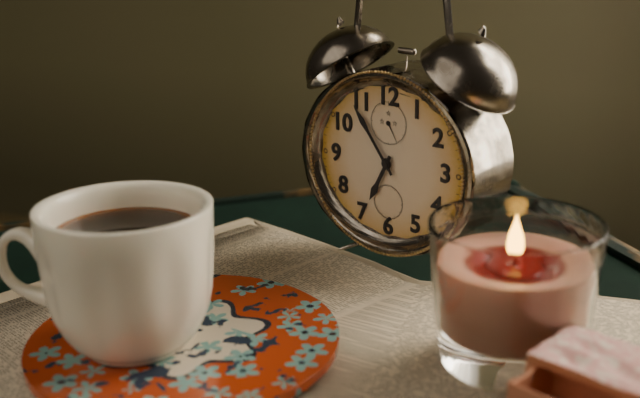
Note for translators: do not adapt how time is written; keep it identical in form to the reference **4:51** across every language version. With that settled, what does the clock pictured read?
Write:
**6:54**
